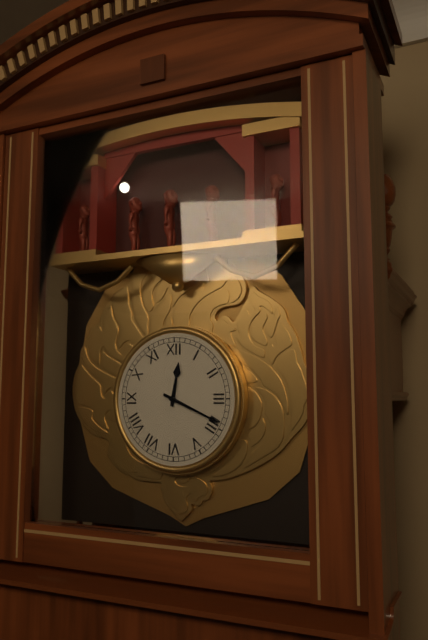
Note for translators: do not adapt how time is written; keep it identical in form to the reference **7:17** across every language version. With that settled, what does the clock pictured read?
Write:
**12:19**
